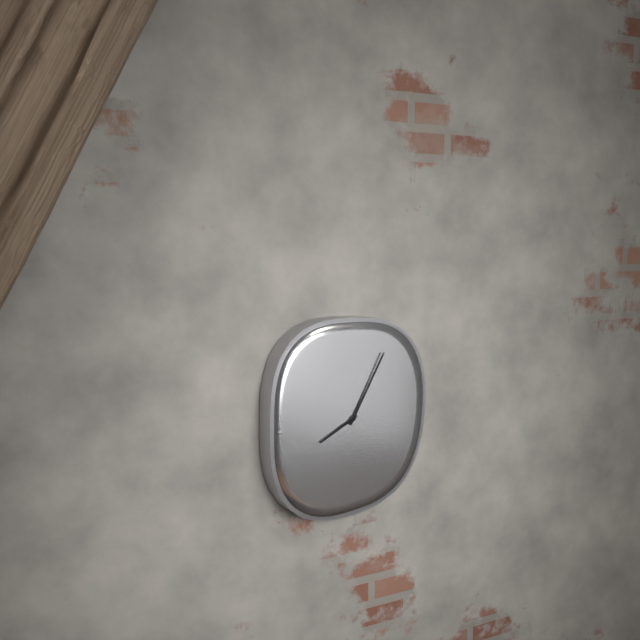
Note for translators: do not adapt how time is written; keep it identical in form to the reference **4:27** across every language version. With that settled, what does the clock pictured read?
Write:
**8:05**
